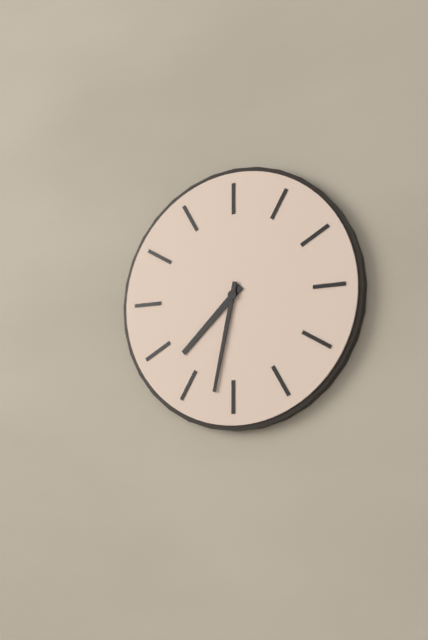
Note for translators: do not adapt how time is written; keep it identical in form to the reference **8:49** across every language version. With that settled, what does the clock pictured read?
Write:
**7:32**
